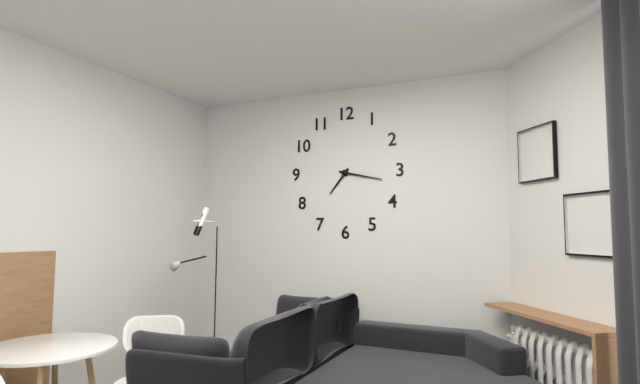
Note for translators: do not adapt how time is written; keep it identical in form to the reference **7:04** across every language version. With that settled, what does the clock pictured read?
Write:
**7:17**
